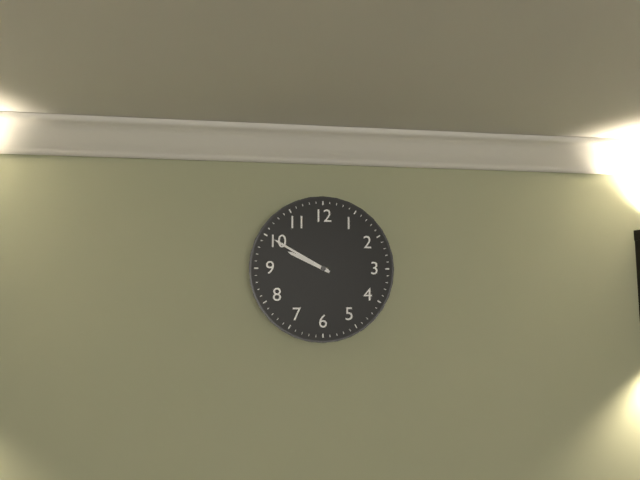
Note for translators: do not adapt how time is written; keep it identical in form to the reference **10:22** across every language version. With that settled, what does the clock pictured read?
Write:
**9:50**
